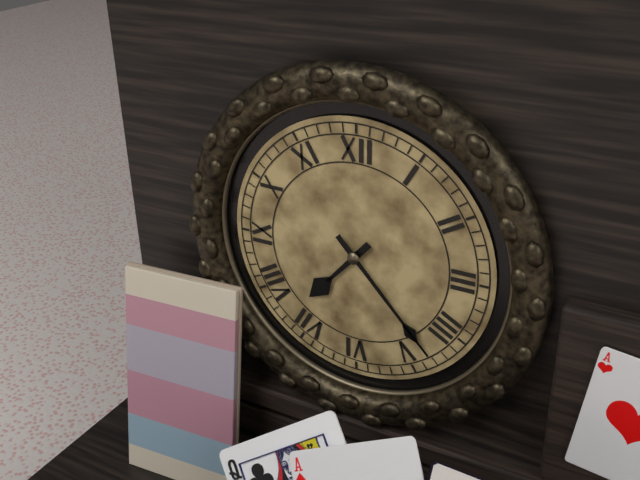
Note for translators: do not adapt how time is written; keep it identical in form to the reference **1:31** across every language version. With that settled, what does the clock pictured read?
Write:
**7:23**
